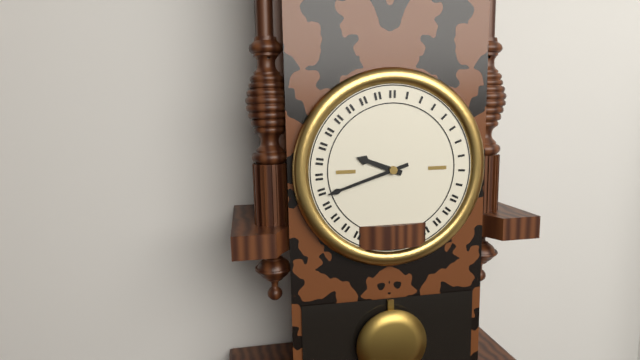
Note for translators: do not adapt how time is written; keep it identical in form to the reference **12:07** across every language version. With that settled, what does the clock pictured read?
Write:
**9:42**
